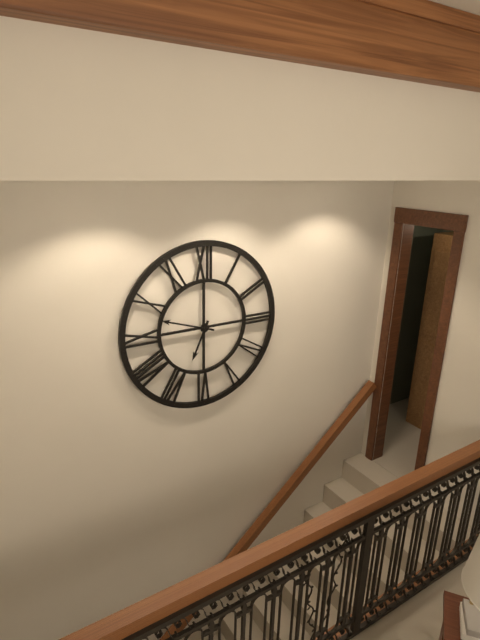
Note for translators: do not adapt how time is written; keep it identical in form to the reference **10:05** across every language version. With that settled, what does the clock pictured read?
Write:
**6:48**
